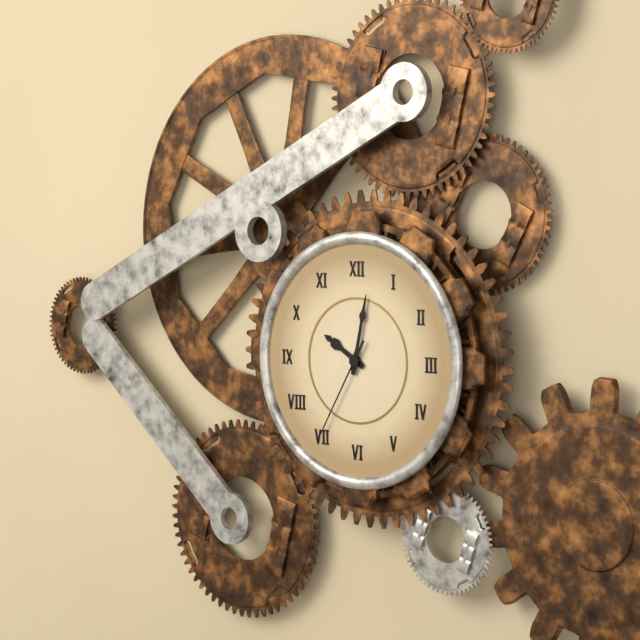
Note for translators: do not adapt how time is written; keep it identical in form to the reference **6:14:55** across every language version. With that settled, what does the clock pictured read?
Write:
**10:02:35**
